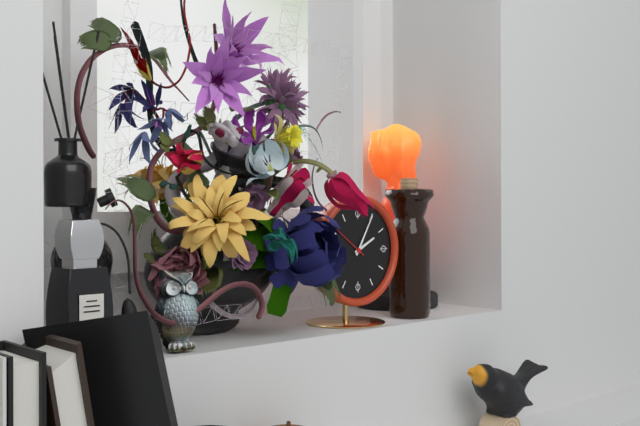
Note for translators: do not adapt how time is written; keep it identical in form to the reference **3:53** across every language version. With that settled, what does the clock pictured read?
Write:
**2:05**
